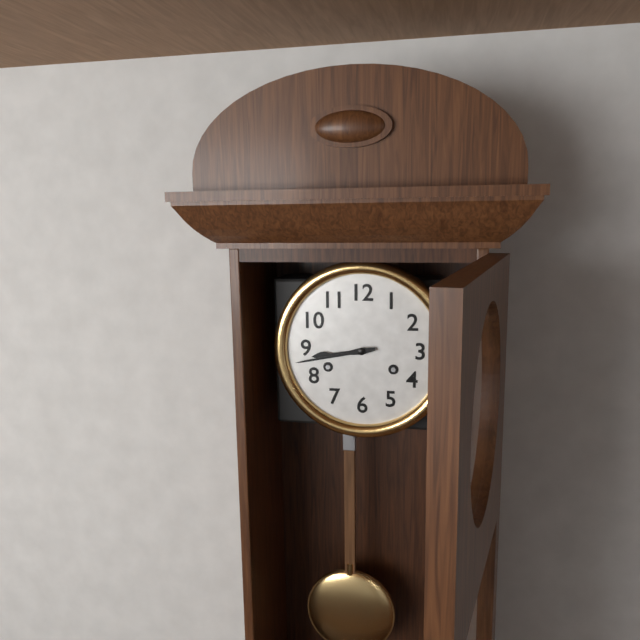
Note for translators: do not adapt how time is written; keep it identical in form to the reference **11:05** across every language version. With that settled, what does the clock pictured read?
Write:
**8:43**
